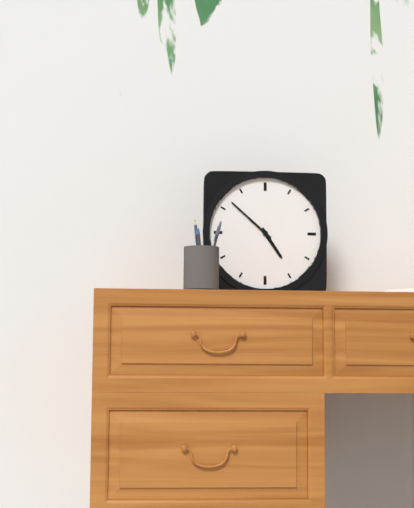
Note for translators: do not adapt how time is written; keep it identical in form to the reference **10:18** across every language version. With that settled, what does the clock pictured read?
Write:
**4:52**
